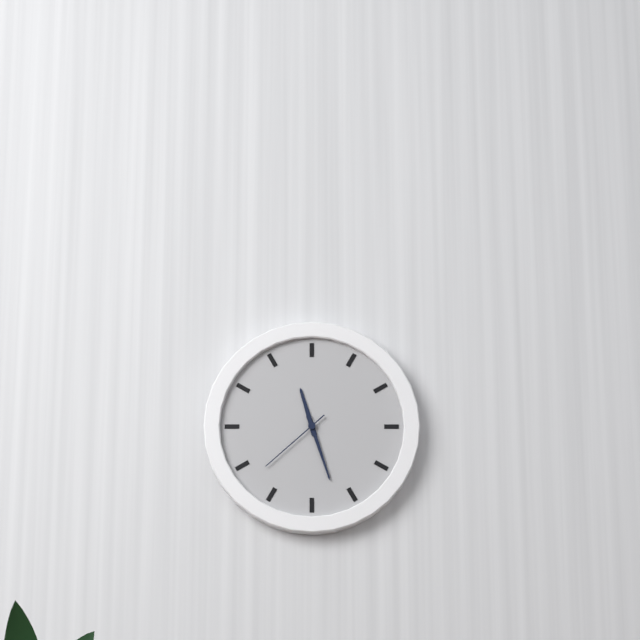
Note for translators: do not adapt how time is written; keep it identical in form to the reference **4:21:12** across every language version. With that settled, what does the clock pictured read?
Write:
**11:27:38**
